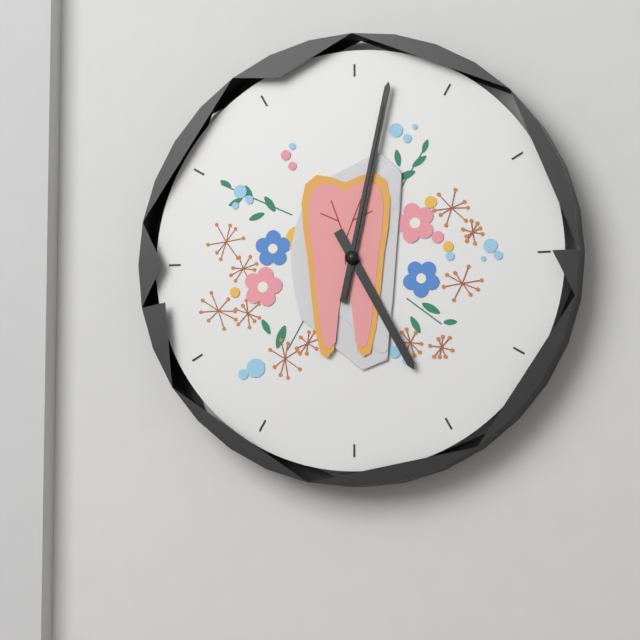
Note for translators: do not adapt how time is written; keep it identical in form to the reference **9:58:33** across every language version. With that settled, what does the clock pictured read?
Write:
**5:02:02**
